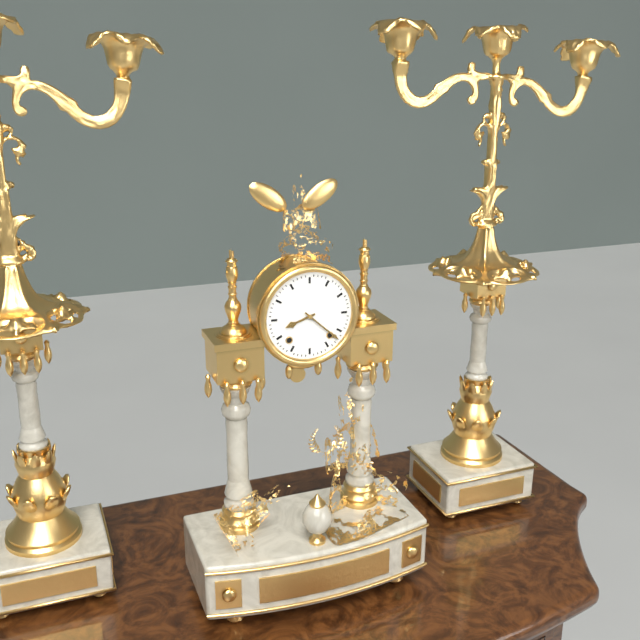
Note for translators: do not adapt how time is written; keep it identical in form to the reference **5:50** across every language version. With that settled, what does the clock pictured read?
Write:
**8:22**
